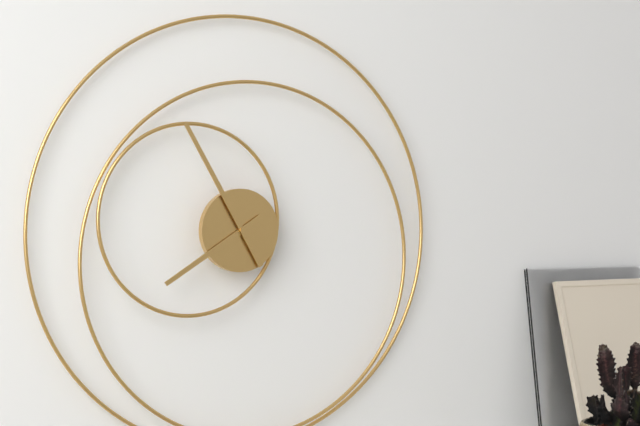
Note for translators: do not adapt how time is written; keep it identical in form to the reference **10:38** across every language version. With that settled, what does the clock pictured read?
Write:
**7:55**
